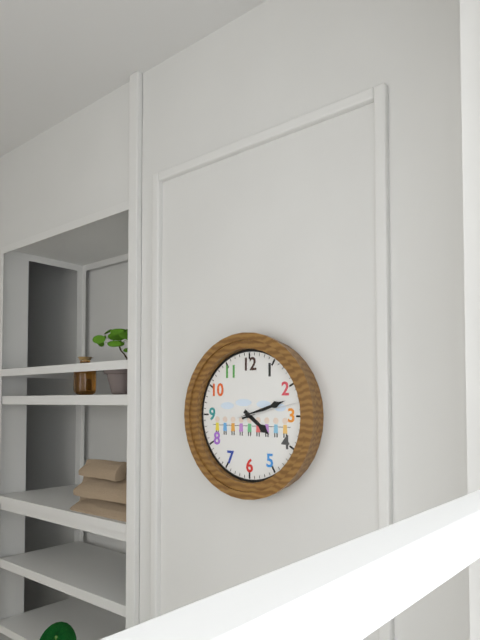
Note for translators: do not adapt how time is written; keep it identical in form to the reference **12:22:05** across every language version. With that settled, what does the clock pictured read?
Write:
**4:12:13**
